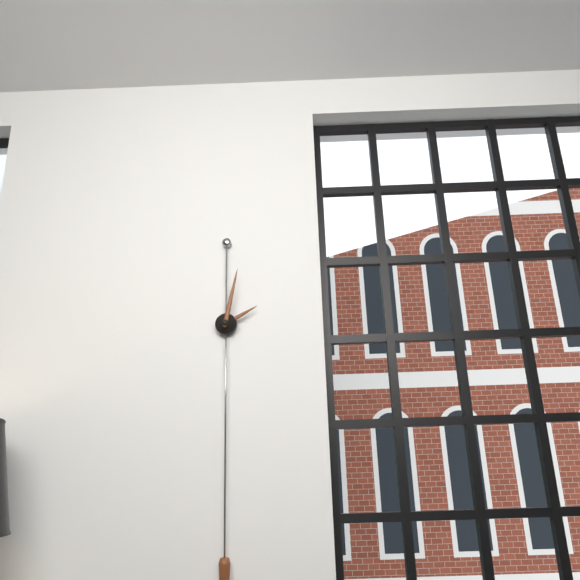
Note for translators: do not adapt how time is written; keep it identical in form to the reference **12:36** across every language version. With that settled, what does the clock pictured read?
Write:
**2:02**
